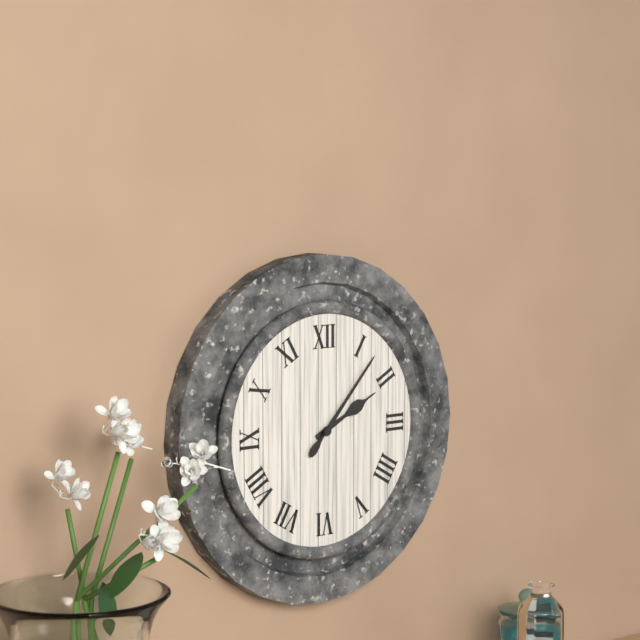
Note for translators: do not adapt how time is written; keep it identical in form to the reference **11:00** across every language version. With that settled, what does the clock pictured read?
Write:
**2:07**
